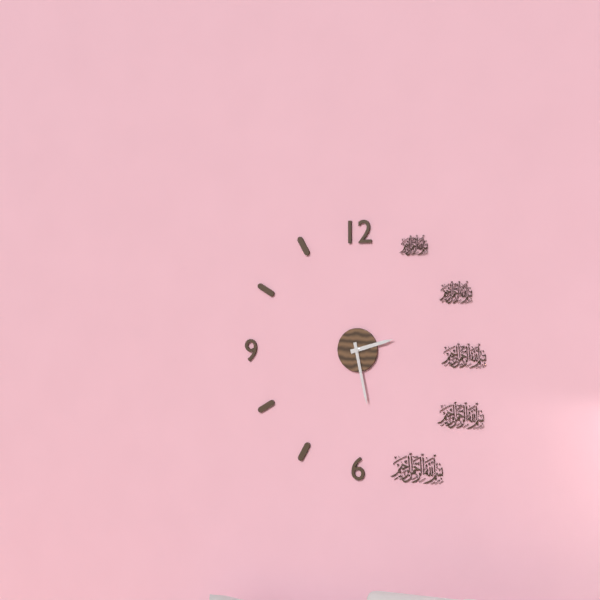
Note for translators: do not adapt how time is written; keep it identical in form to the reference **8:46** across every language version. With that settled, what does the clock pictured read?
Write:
**2:28**
